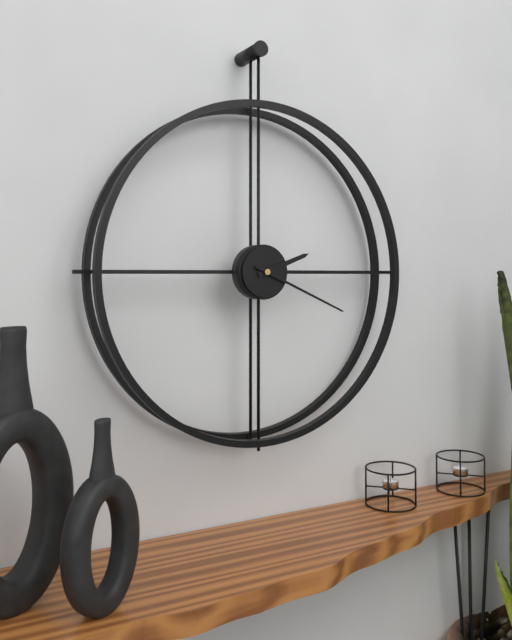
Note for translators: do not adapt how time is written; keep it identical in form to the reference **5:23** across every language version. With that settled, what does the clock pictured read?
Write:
**2:19**
